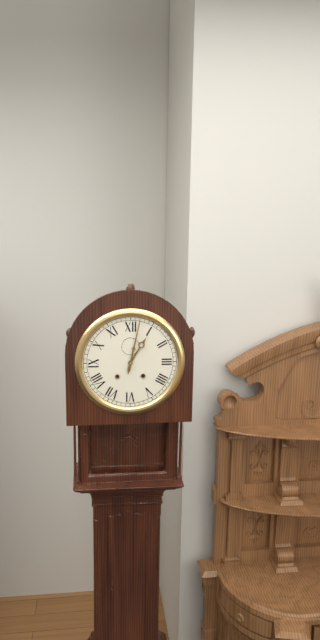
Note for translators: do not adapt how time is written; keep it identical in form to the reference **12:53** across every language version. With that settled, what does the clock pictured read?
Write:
**1:02**
